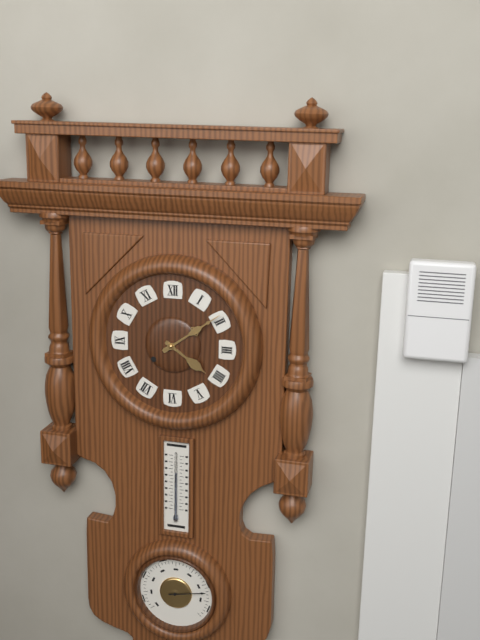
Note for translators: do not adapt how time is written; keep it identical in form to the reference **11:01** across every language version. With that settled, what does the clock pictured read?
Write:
**4:09**
